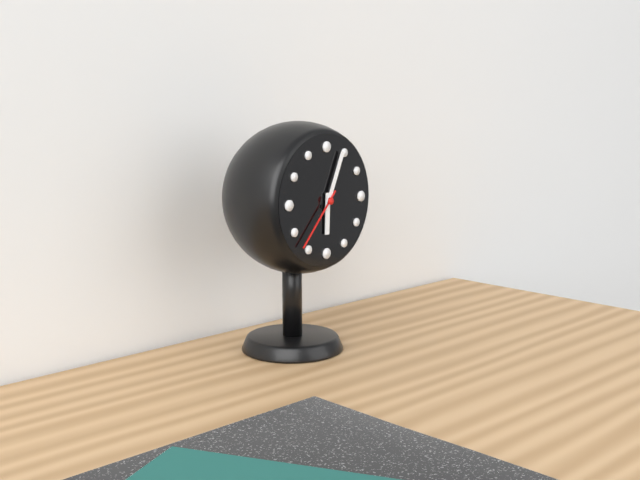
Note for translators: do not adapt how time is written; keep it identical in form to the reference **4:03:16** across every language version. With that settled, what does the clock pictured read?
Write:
**6:04:37**
